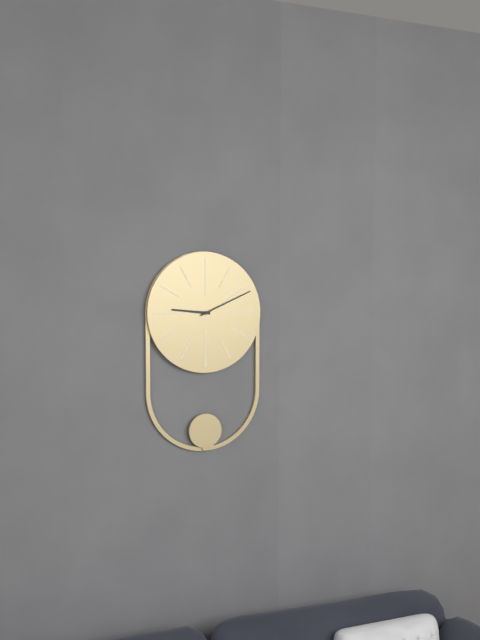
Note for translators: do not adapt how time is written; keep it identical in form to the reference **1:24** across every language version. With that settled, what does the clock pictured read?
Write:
**9:11**
